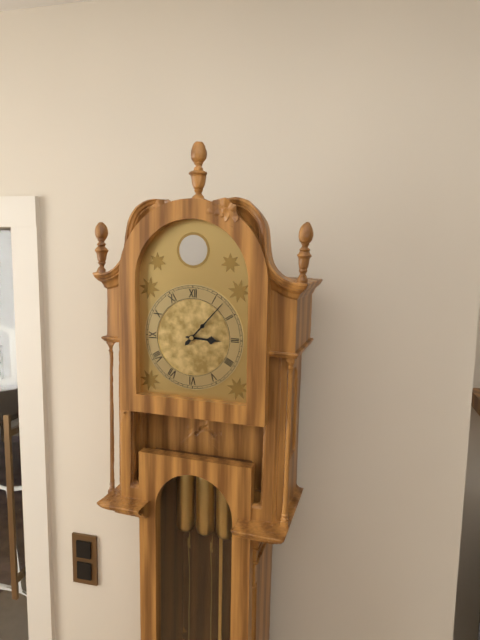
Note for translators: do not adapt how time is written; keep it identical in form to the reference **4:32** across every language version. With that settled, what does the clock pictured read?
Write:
**3:07**
